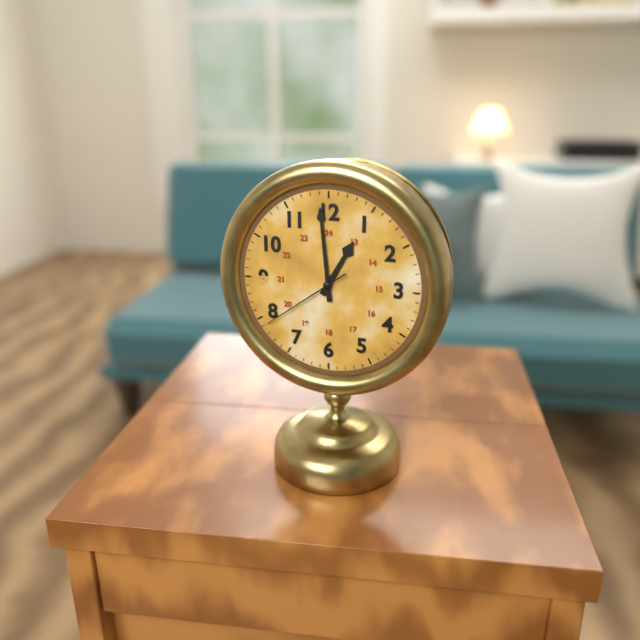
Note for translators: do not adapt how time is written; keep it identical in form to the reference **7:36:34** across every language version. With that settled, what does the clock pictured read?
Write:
**12:59:39**
